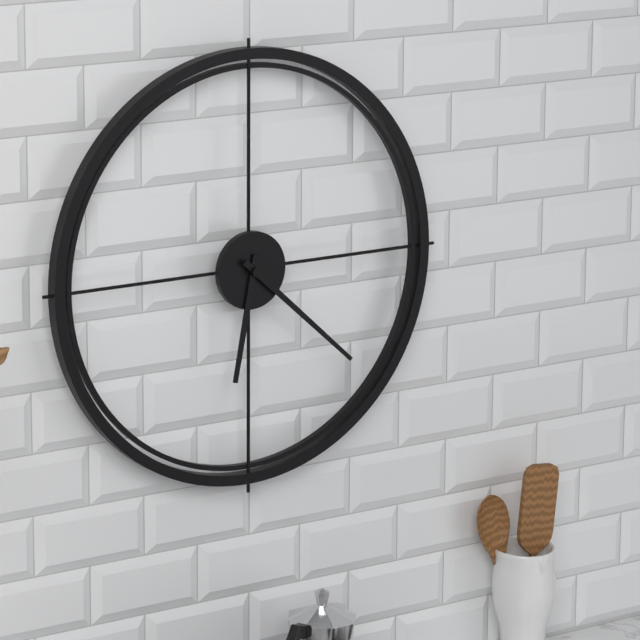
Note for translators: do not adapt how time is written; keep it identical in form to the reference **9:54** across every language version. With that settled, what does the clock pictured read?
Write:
**6:22**
